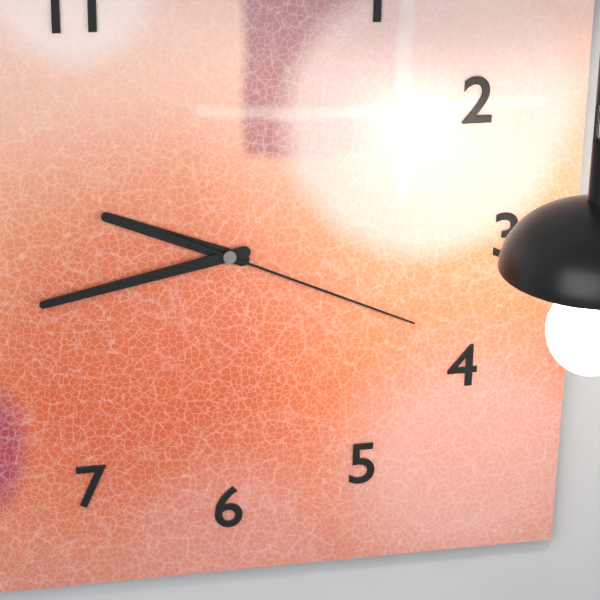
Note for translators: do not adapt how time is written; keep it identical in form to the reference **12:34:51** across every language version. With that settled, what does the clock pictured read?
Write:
**9:43:19**
